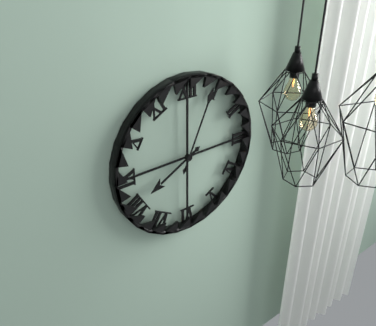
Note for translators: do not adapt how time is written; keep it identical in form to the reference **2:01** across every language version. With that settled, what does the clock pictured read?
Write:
**8:04**
